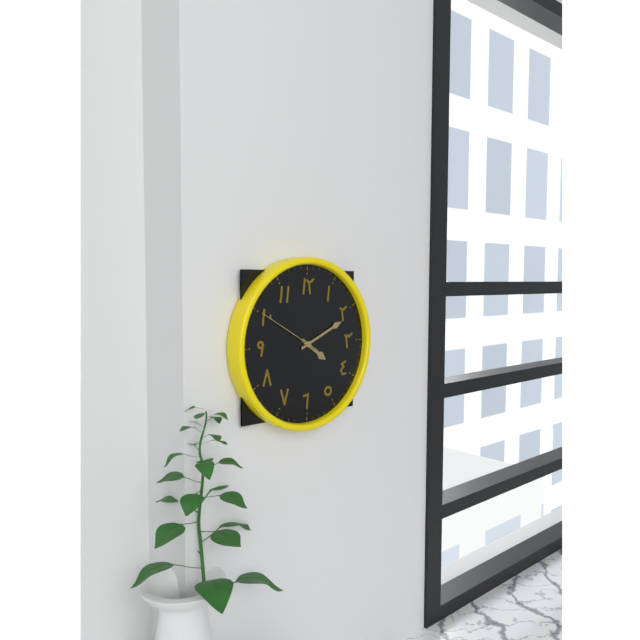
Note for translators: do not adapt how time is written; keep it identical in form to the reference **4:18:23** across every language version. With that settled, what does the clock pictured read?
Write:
**4:11:50**
